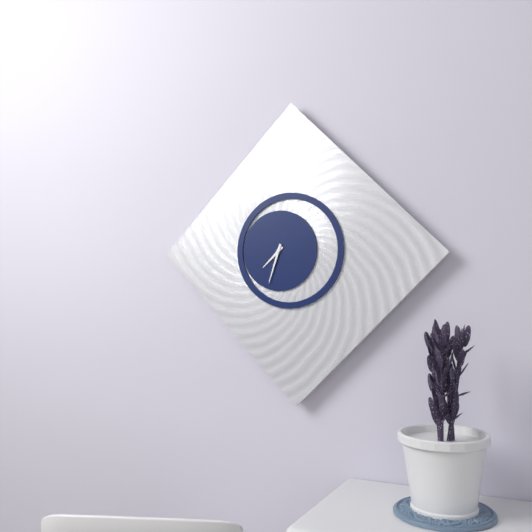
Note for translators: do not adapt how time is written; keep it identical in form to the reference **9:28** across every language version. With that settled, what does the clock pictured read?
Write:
**7:33**
